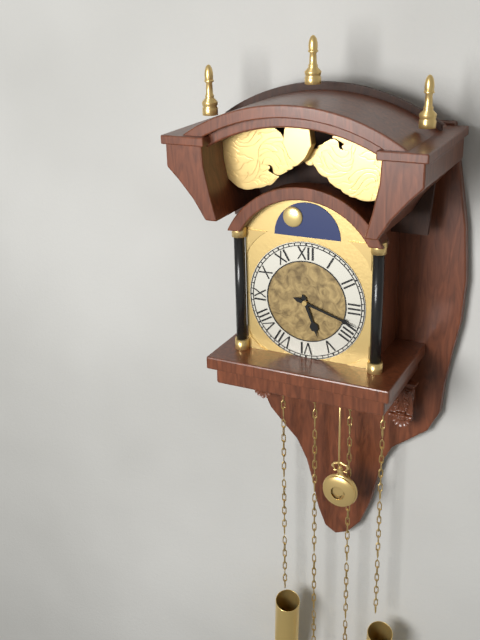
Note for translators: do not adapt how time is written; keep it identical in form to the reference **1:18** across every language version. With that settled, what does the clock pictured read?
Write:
**5:18**
